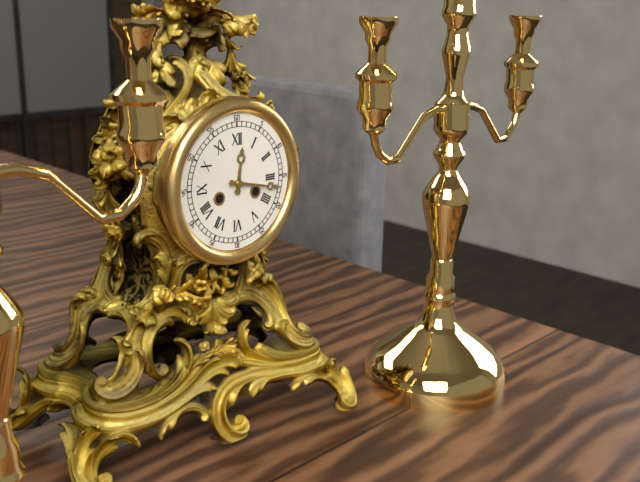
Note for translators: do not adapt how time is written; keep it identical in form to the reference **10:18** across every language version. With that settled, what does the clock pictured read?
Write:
**12:17**
